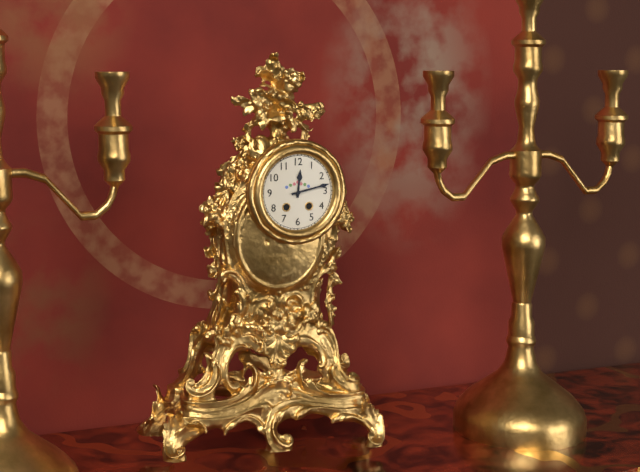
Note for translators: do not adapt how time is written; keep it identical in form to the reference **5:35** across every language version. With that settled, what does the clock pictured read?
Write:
**12:13**
